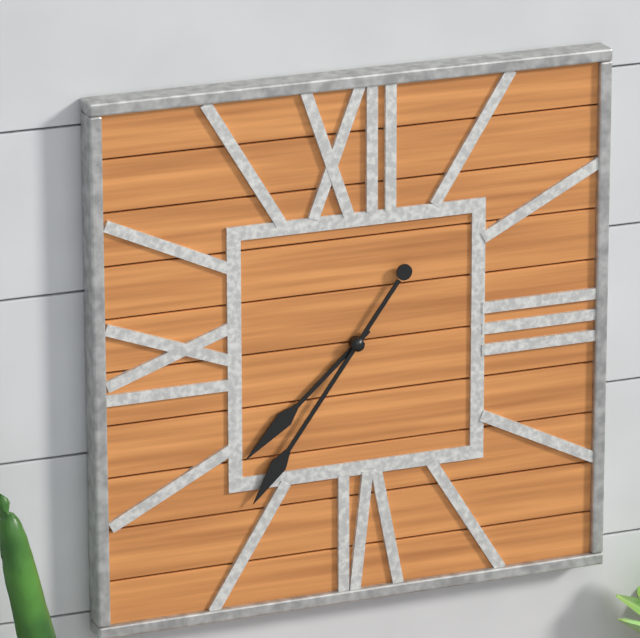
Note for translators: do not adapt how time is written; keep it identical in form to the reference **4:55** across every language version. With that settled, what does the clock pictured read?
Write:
**7:36**
